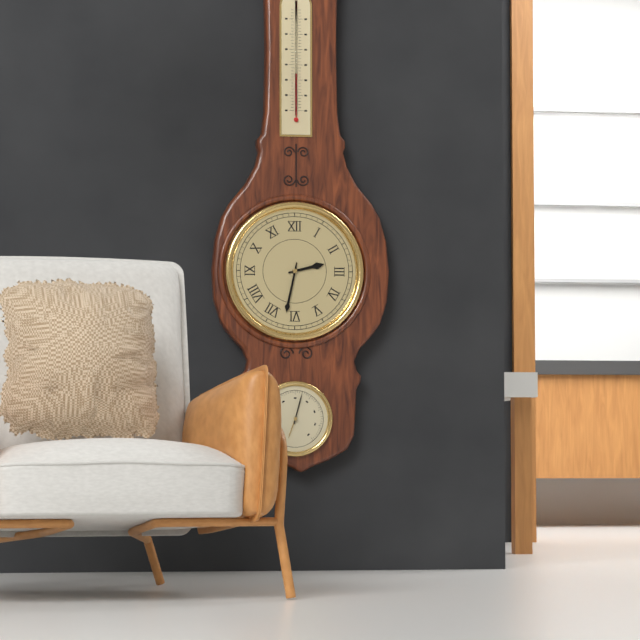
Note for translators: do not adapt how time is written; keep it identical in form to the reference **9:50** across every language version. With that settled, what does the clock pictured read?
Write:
**2:32**
